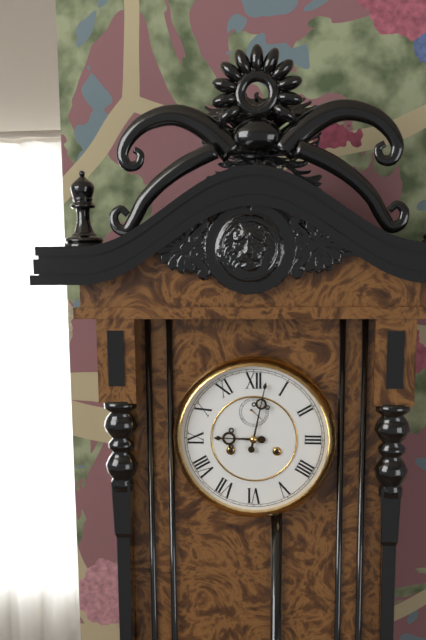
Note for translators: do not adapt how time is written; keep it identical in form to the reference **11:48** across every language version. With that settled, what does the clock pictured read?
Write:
**9:02**
